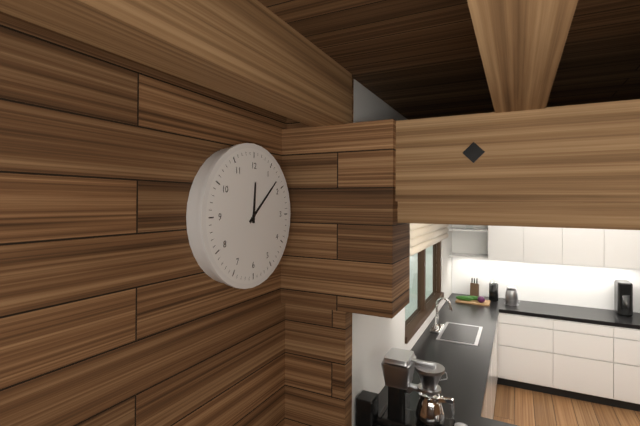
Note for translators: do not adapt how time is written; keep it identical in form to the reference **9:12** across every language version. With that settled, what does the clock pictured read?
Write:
**12:08**
